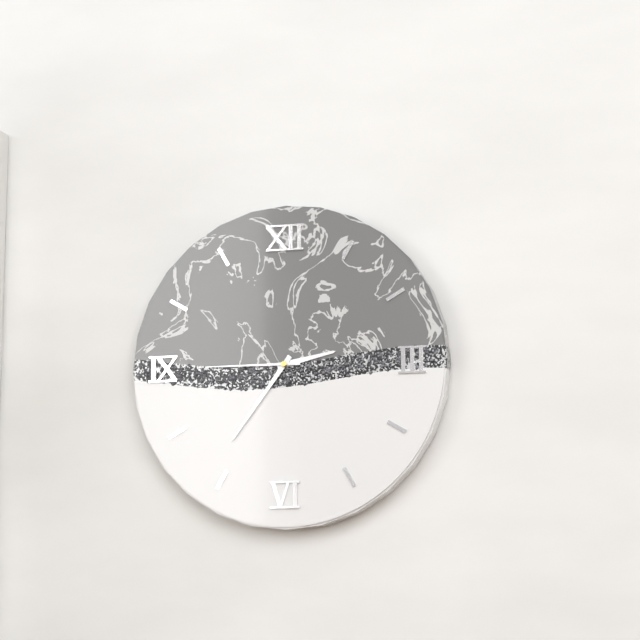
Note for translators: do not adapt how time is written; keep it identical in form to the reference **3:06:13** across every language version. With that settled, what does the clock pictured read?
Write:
**2:36:45**
